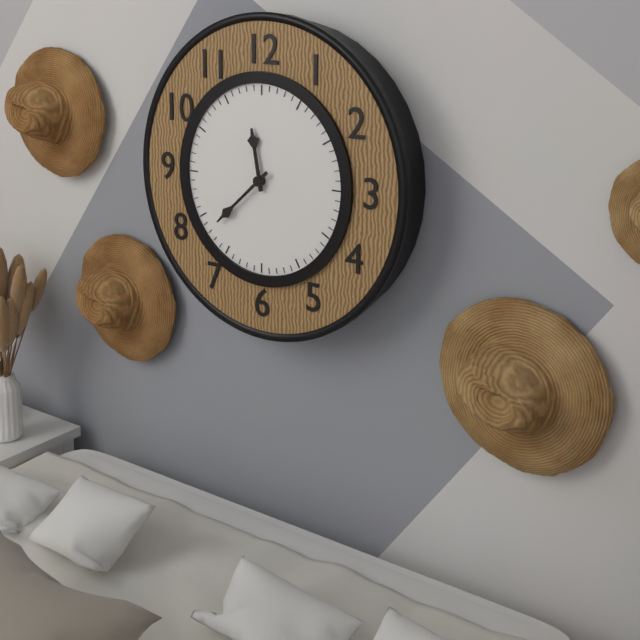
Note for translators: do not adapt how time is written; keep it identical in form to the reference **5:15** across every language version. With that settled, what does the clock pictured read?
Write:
**11:38**
